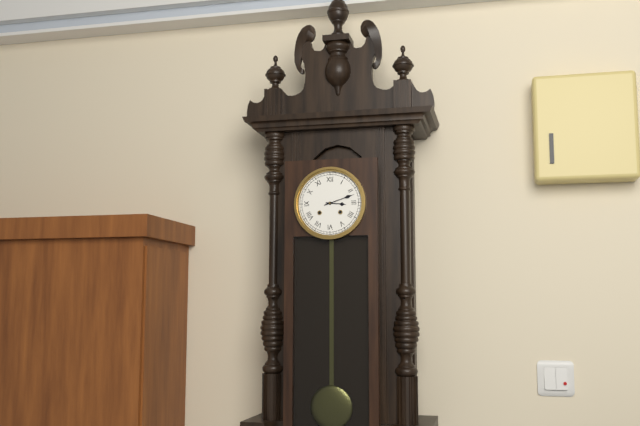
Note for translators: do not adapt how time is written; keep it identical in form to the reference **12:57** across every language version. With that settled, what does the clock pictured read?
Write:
**3:12**
